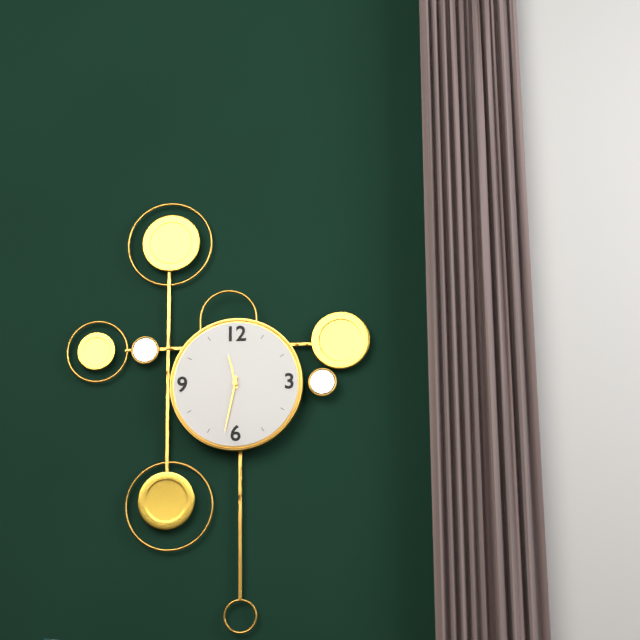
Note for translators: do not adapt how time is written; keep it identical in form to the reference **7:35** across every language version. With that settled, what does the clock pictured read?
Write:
**11:32**
